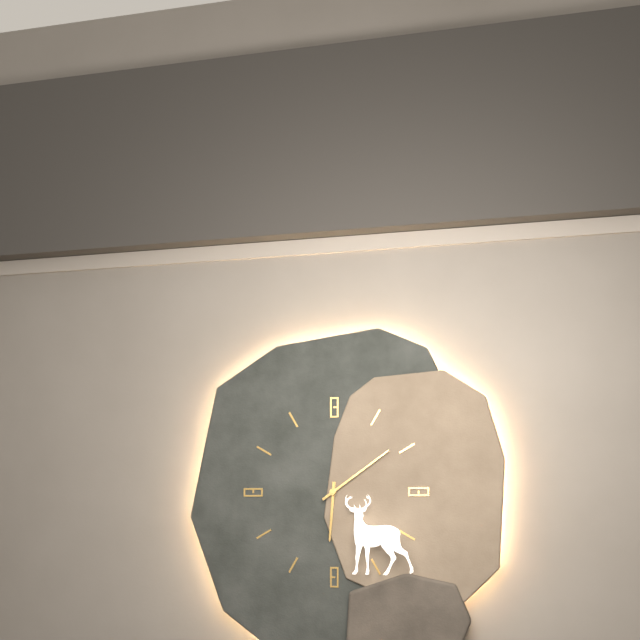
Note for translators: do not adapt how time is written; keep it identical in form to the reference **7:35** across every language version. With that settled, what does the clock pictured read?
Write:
**6:09**
